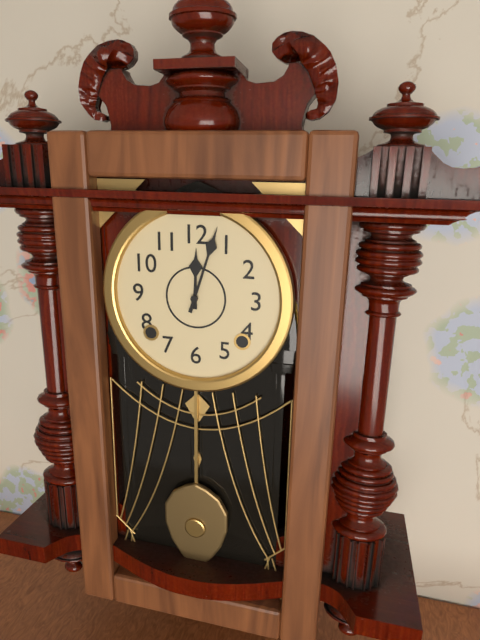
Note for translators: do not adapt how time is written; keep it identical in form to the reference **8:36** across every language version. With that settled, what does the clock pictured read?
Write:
**12:03**
